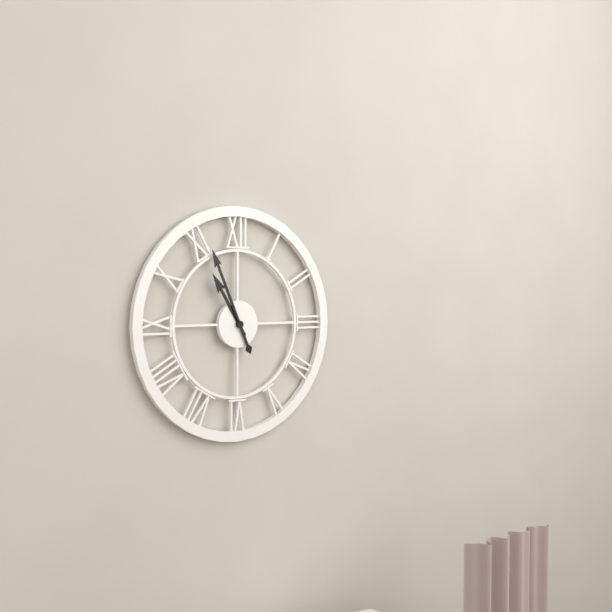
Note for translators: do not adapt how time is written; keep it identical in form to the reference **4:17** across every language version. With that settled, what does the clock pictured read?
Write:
**10:56**
